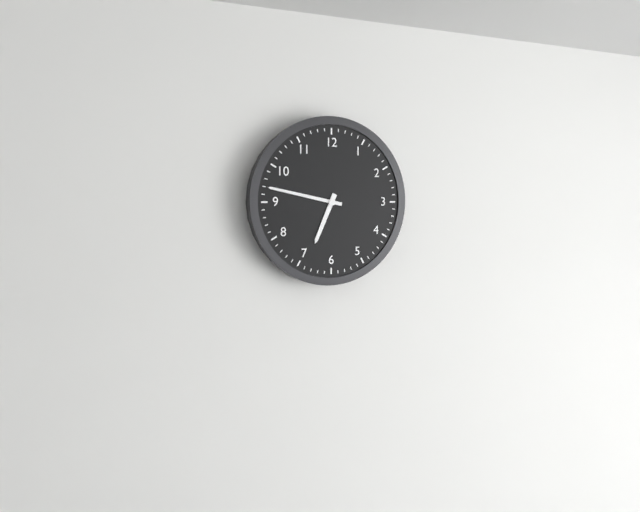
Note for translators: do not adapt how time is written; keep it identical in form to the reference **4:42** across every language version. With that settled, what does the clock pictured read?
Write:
**6:47**
